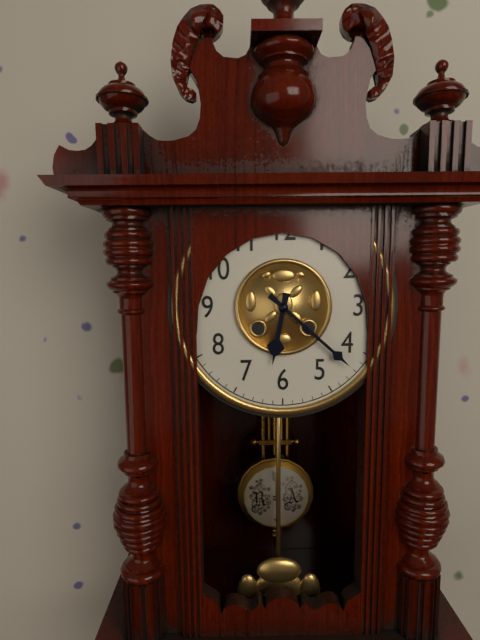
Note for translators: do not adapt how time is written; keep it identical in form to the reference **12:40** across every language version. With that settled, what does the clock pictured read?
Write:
**6:22**
